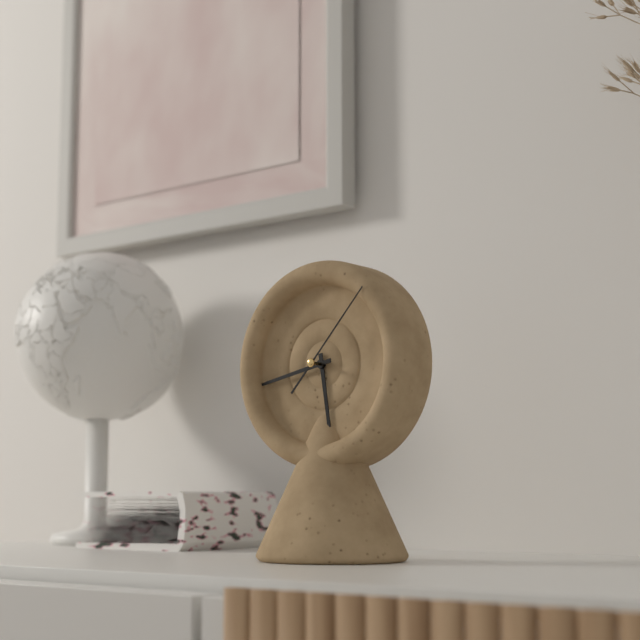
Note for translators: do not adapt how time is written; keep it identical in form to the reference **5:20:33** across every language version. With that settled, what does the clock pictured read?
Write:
**5:43:07**
